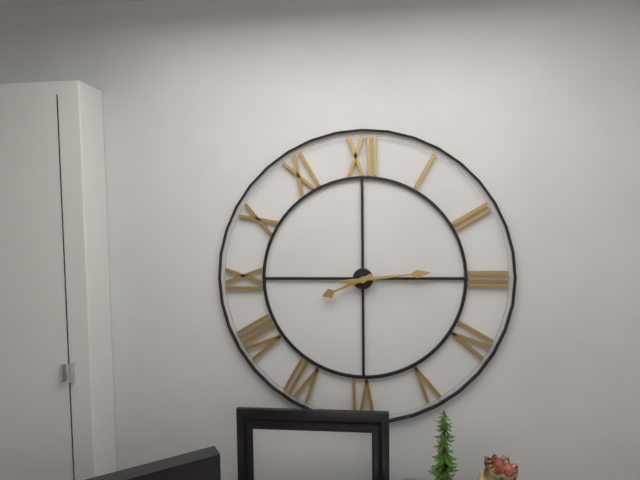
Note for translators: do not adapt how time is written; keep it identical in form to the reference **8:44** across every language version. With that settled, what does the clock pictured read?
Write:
**8:14**
